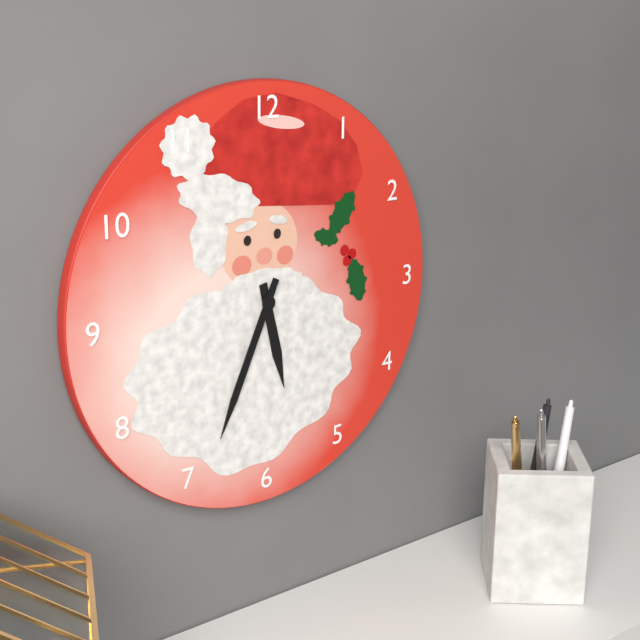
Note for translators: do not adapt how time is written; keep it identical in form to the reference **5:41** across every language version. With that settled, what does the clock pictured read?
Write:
**5:34**
